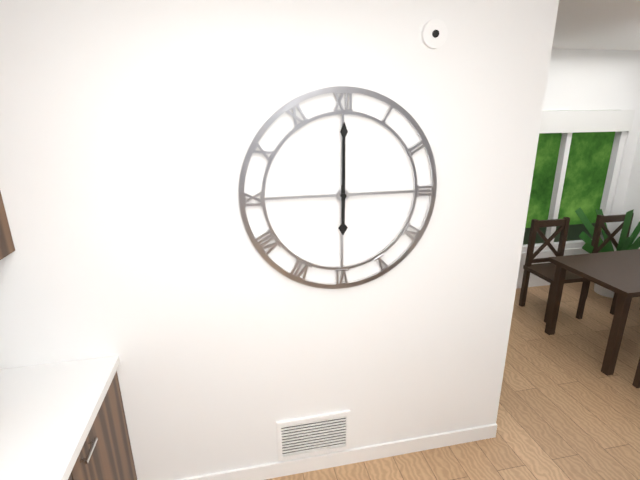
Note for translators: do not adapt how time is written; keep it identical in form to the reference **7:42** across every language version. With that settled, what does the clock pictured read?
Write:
**6:00**
